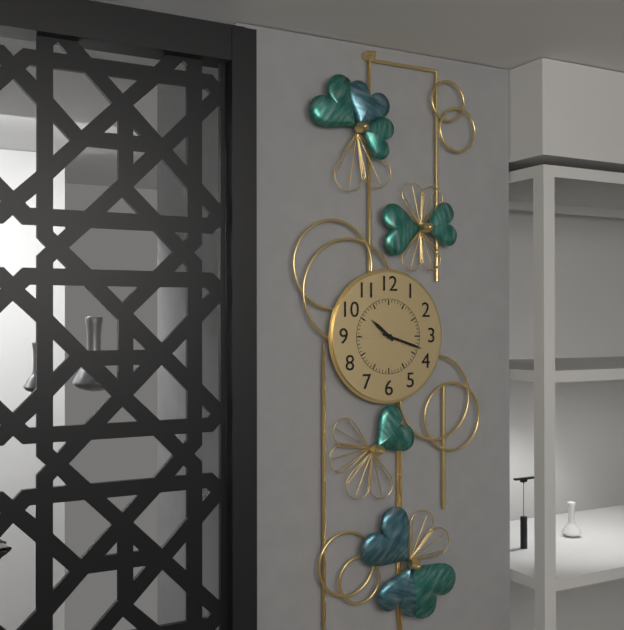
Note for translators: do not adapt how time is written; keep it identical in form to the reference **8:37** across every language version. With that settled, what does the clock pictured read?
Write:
**10:18**
